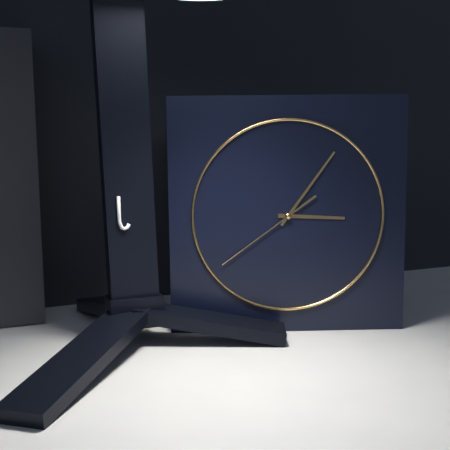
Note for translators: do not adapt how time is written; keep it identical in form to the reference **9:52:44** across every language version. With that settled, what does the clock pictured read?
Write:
**3:06:39**
